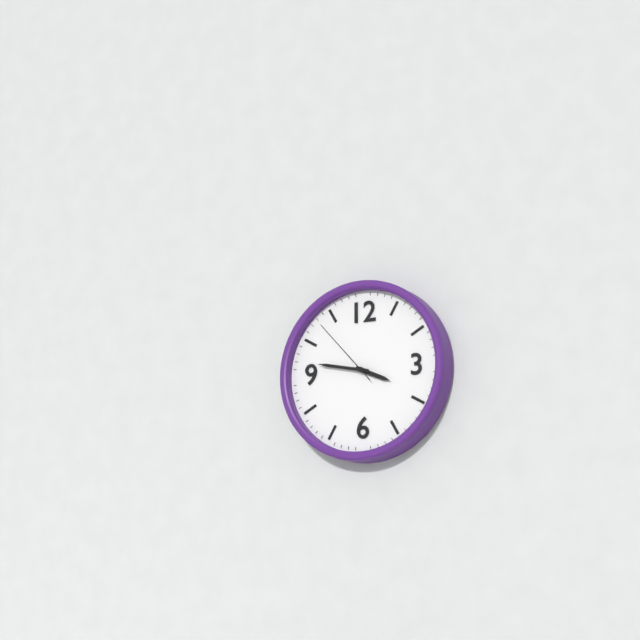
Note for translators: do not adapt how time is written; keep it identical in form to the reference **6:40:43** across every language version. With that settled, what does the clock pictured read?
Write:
**3:47:53**
